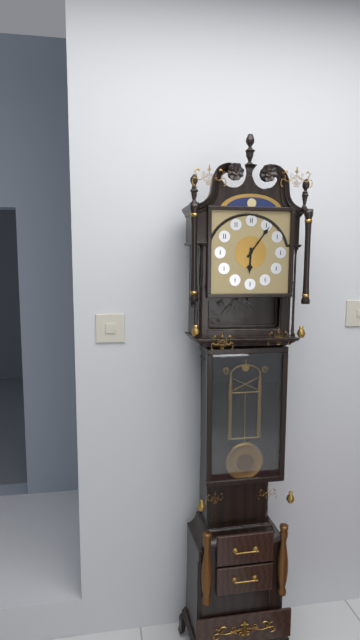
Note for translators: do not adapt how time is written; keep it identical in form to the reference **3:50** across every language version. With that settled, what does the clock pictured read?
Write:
**6:06**
